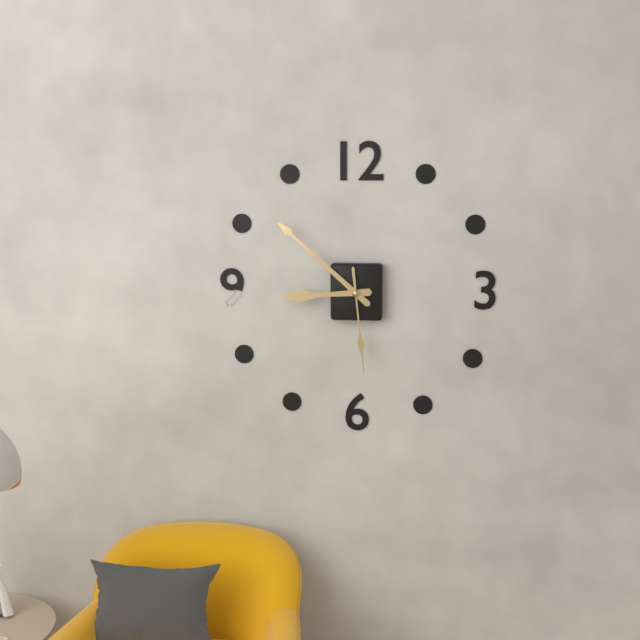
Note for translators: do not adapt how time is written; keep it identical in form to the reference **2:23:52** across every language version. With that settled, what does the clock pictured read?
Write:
**8:52:29**
